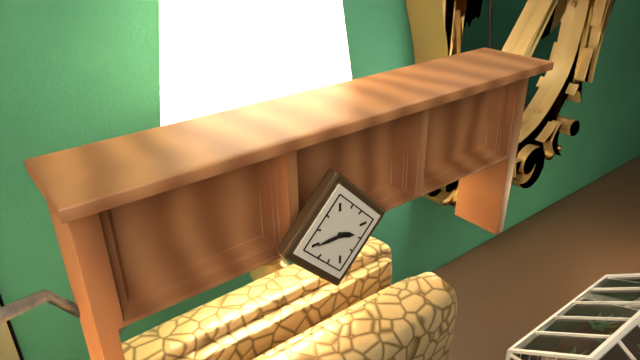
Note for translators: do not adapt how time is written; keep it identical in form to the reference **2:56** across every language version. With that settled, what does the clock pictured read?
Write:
**3:45**
